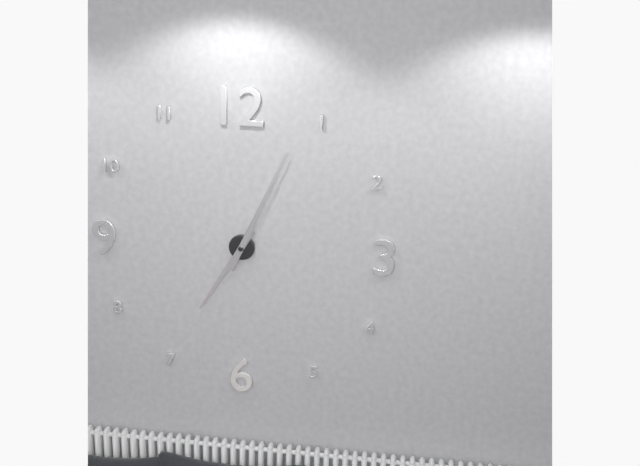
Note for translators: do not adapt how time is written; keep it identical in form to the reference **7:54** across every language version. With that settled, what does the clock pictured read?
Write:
**7:04**
